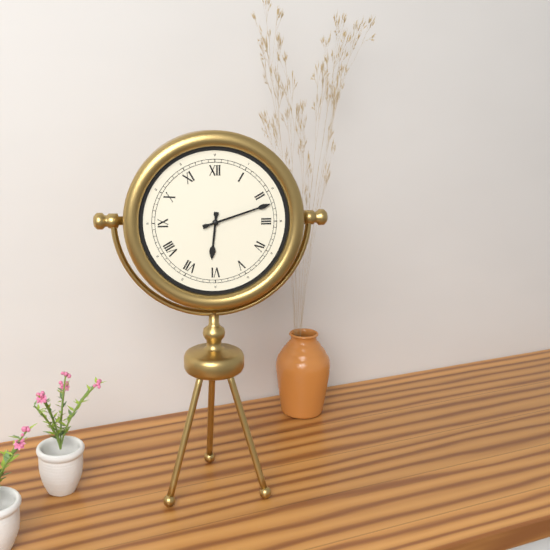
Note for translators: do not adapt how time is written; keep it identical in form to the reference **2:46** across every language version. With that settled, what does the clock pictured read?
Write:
**6:12**
